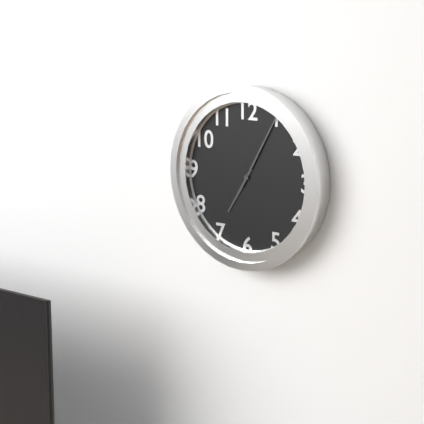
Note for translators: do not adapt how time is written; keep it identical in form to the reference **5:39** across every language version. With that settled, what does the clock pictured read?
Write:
**7:05**
